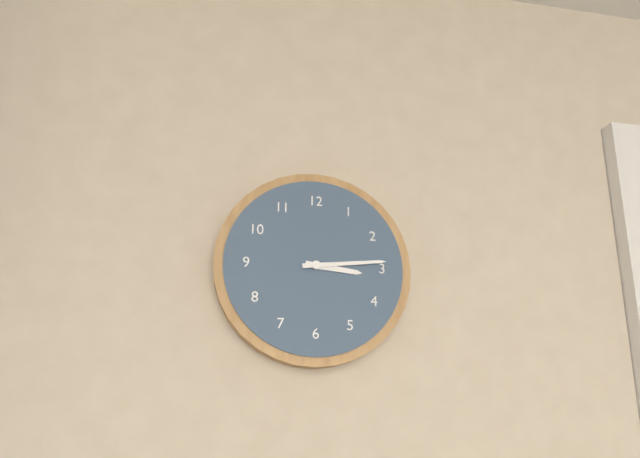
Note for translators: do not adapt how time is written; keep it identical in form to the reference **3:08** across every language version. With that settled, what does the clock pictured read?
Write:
**3:14**
